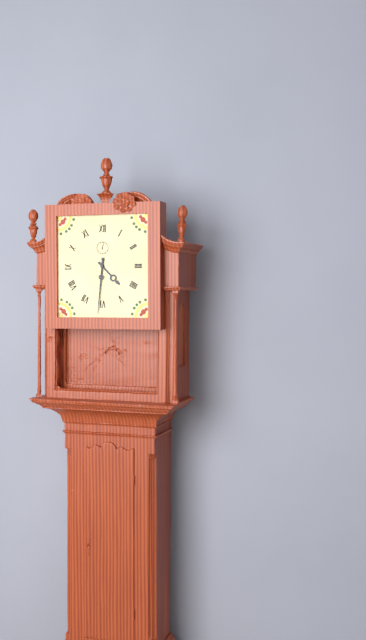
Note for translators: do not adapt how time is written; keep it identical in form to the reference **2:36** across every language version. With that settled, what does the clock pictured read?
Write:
**4:31**
